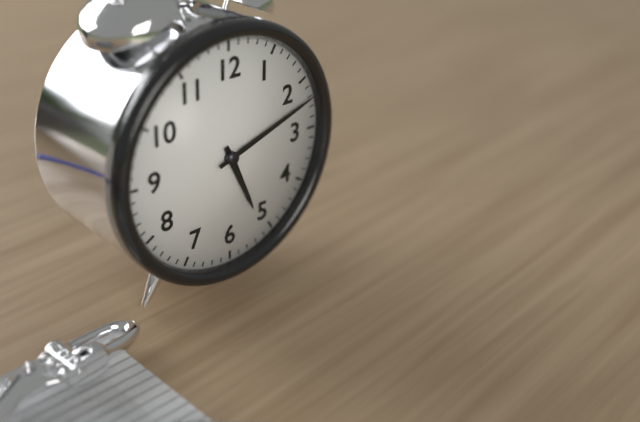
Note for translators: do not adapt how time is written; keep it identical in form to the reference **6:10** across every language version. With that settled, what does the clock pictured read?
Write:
**5:12**
